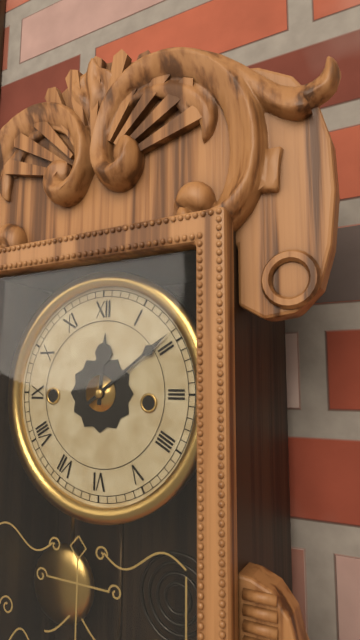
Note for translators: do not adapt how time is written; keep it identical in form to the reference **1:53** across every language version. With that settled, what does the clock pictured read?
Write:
**12:09**
